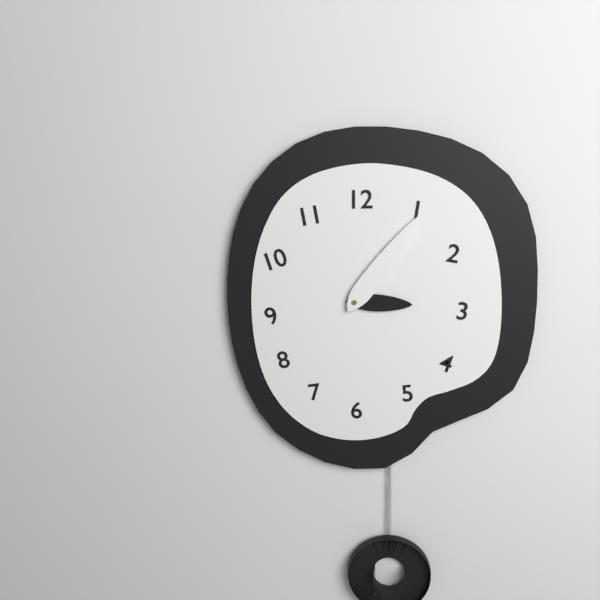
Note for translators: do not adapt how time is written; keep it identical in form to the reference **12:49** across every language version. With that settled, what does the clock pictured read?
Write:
**3:06**
